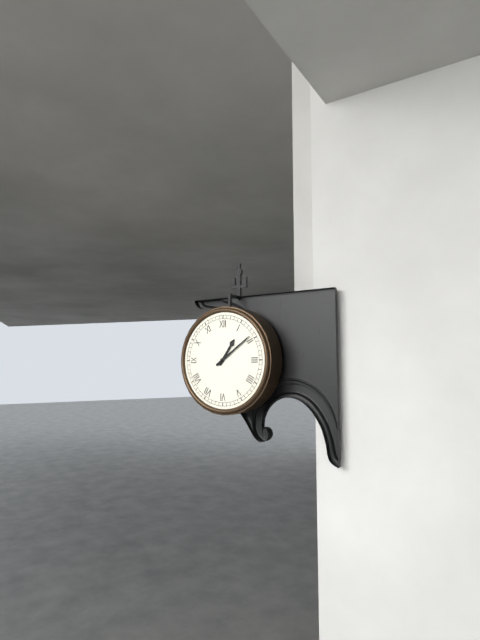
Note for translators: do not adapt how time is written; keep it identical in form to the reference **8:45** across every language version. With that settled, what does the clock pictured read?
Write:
**1:09**
